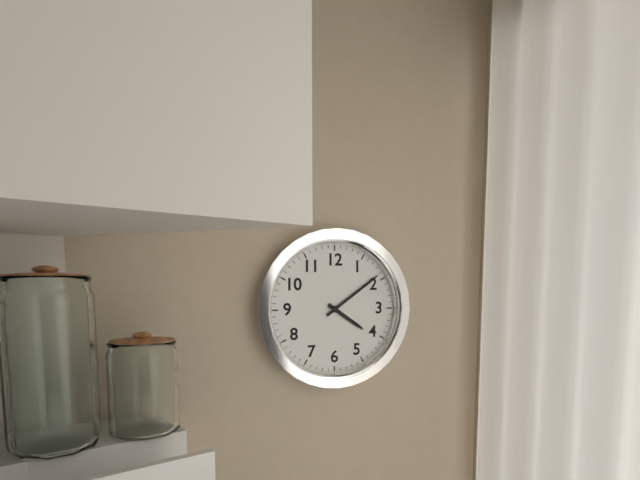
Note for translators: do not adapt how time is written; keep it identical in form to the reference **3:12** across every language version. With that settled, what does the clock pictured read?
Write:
**4:09**
